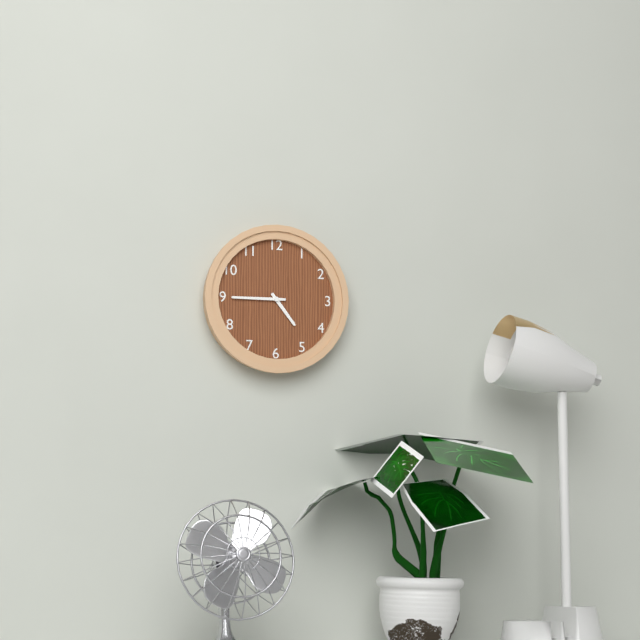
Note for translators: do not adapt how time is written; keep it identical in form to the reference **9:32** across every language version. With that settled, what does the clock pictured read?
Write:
**4:45**
